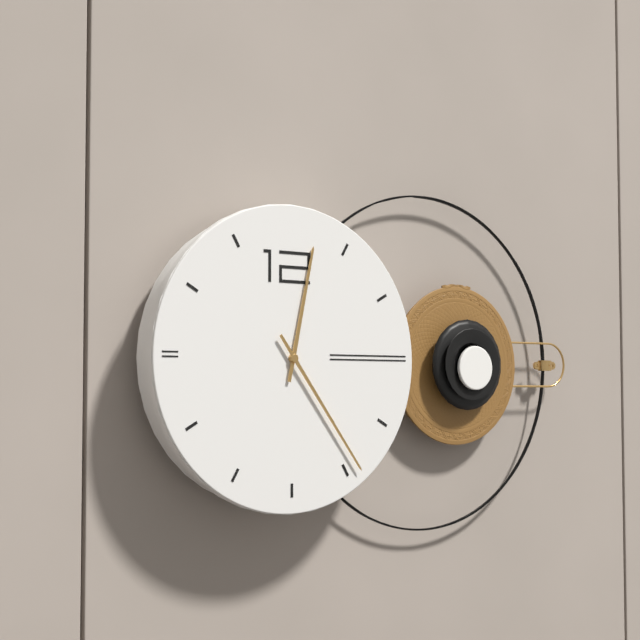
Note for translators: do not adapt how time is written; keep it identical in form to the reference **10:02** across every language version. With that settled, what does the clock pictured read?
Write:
**12:24**
